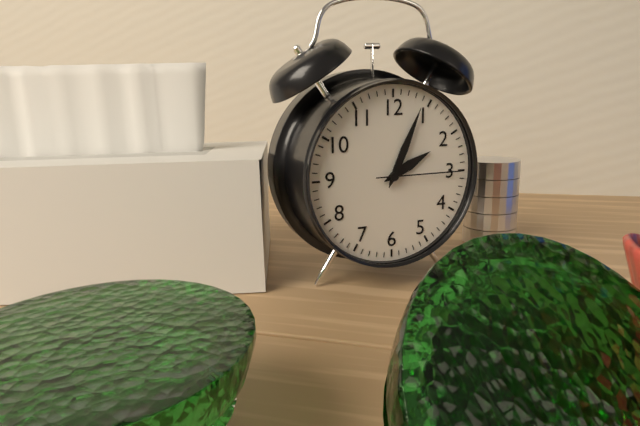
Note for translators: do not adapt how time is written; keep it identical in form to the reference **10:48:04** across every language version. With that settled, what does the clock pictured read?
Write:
**2:04:15**
